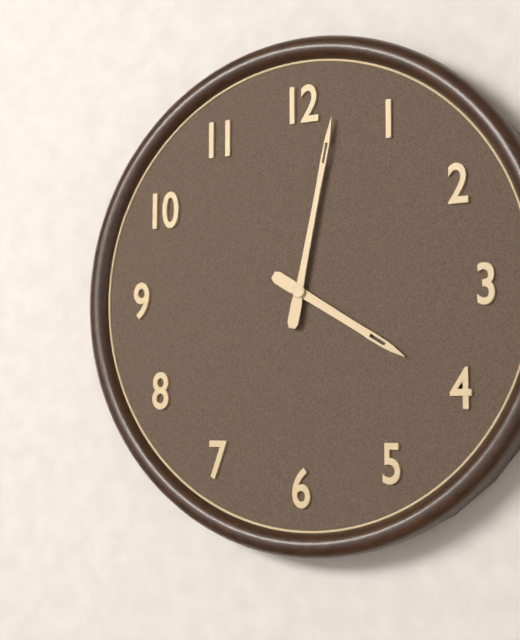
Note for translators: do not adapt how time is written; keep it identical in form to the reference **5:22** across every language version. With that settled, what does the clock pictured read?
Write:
**4:02**
